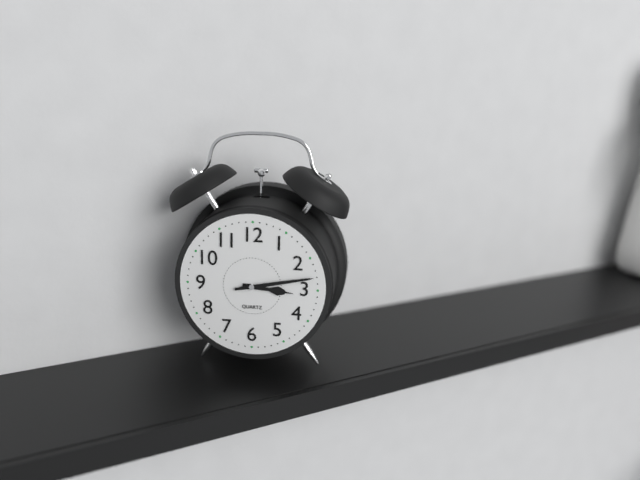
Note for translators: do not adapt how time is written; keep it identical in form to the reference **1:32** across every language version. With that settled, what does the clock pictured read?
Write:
**3:13**
